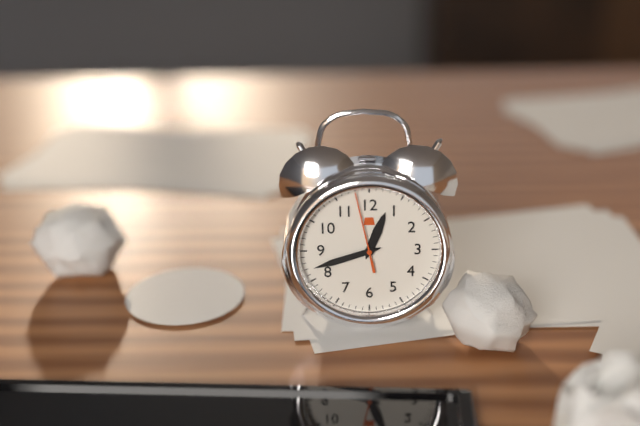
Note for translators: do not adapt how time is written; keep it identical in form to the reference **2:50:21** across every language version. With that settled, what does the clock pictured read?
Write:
**12:42:58**
